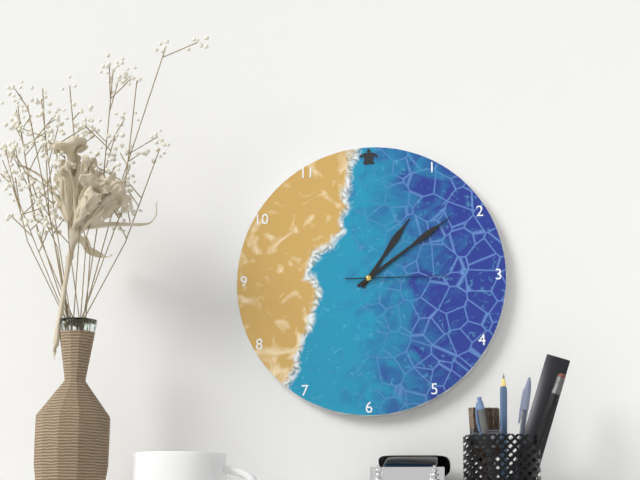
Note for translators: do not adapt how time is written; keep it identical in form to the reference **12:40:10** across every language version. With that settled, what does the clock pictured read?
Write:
**1:09:15**
